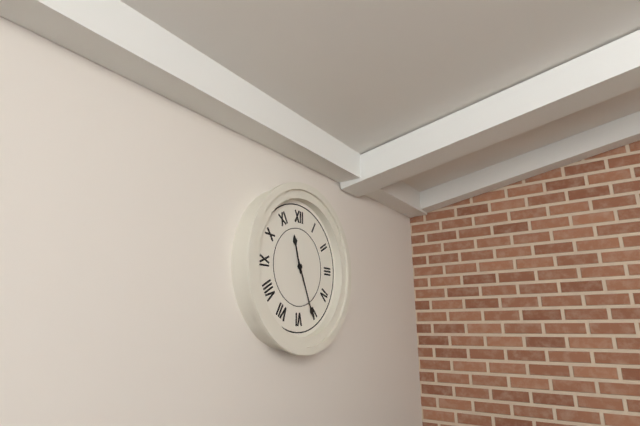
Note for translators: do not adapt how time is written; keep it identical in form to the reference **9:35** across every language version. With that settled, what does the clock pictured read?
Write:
**11:26**
